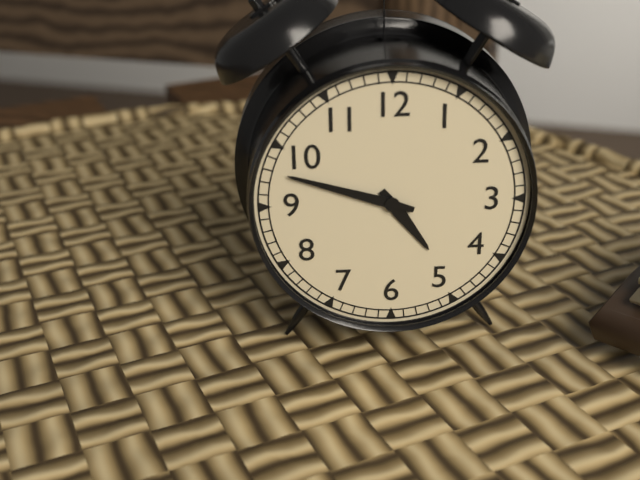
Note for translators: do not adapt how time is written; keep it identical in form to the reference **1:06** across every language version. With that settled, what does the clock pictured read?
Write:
**4:48**
